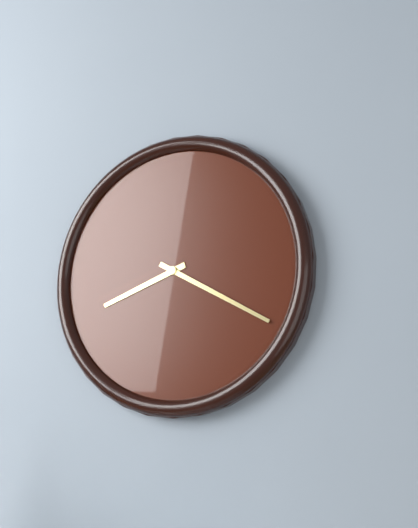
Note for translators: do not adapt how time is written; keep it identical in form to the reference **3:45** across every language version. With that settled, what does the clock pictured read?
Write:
**8:20**
